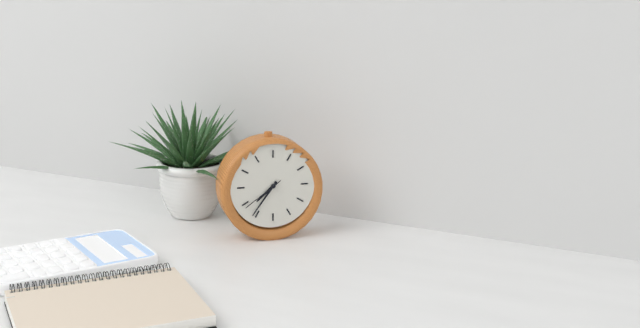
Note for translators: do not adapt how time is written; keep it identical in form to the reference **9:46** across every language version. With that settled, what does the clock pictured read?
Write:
**7:36**
